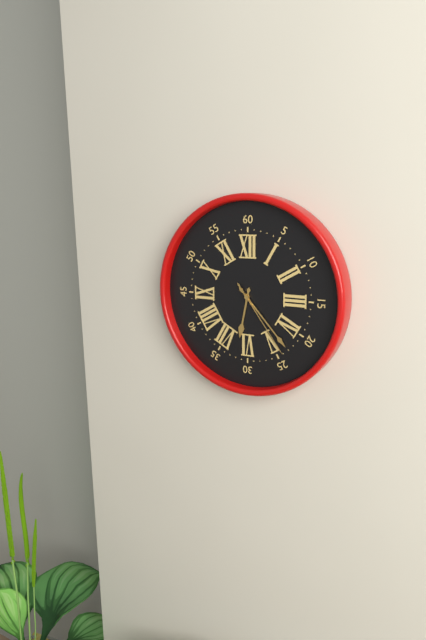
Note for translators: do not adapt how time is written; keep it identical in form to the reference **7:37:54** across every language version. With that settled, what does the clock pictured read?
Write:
**6:23:24**
